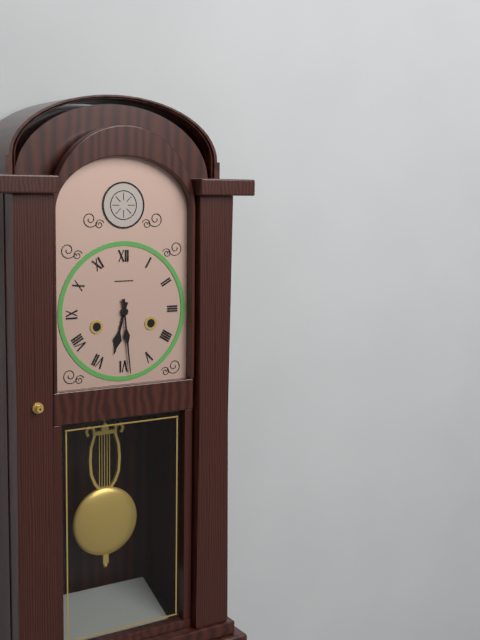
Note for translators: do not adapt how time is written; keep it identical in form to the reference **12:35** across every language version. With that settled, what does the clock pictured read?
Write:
**6:29**
